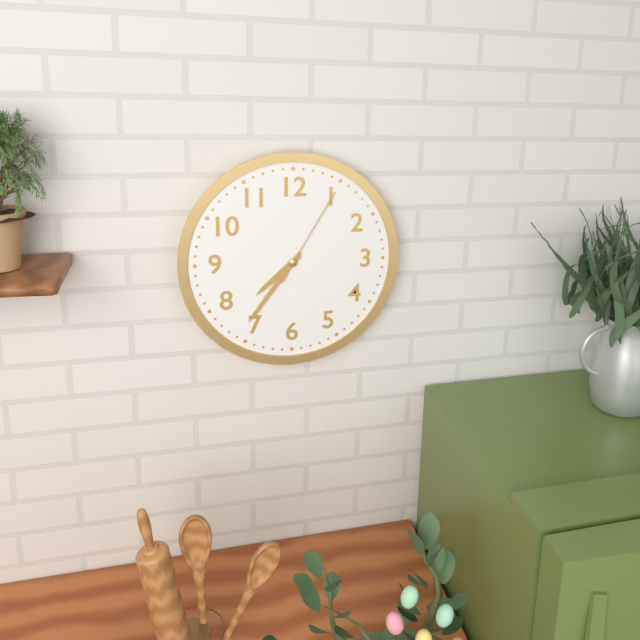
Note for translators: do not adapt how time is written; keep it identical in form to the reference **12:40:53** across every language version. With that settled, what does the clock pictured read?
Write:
**7:36:05**
